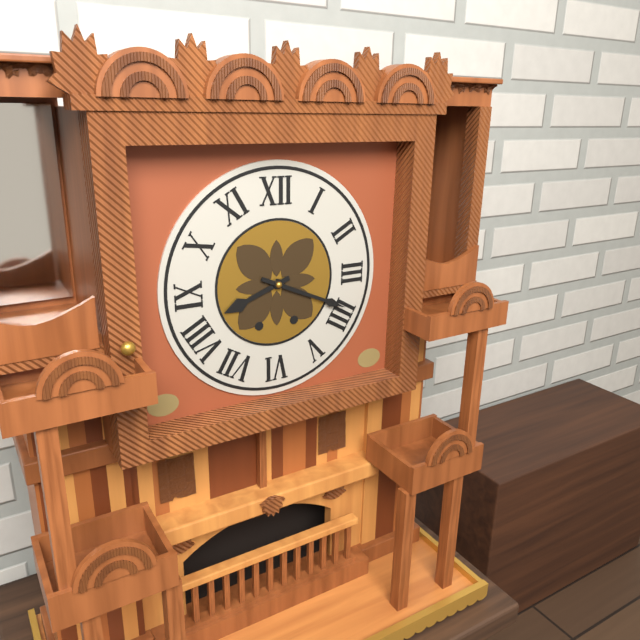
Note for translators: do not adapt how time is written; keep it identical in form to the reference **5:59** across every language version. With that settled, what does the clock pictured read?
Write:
**8:19**
